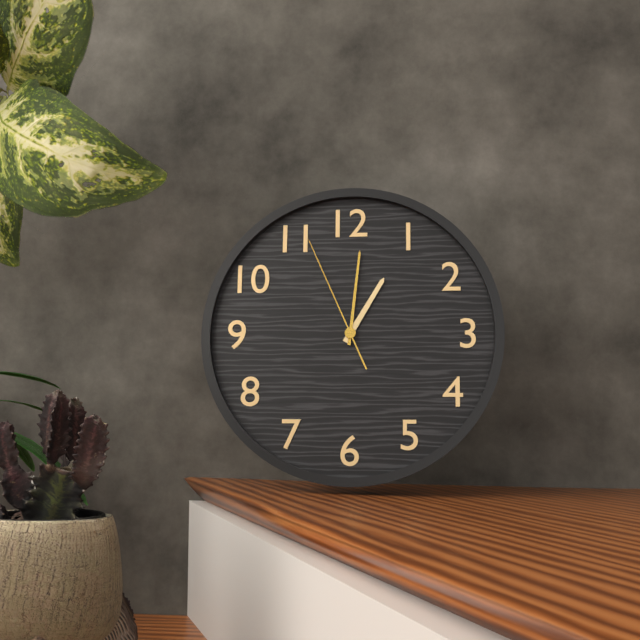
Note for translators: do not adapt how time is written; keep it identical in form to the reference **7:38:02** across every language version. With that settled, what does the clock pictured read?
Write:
**1:01:56**
